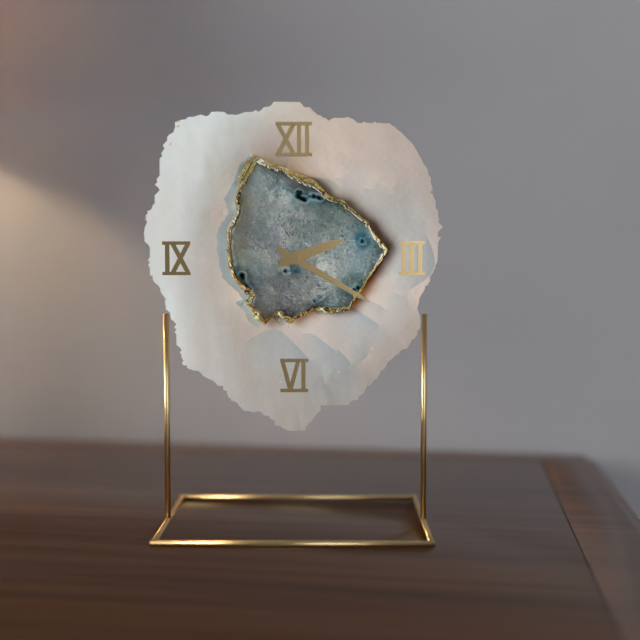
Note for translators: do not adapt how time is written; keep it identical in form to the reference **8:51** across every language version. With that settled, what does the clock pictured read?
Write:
**2:20**
